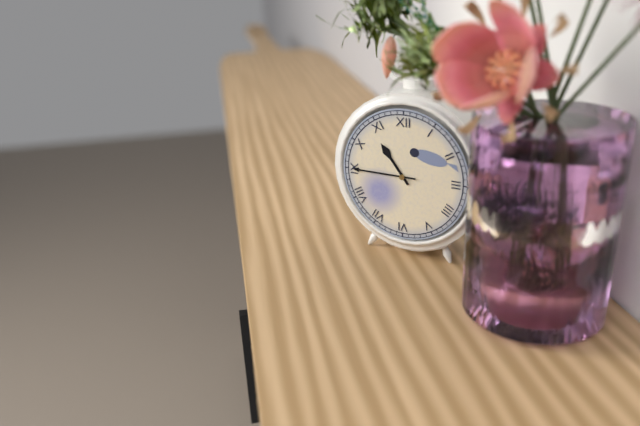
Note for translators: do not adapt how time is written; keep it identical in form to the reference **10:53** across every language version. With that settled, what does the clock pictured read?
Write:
**10:45**
